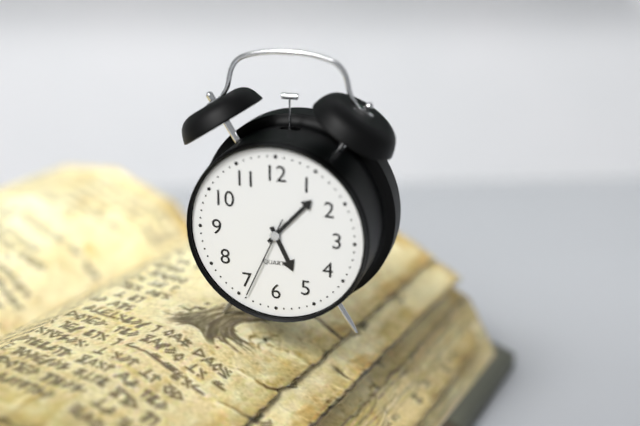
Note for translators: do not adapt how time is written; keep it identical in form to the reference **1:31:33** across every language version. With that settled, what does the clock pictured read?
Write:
**5:07:34**
